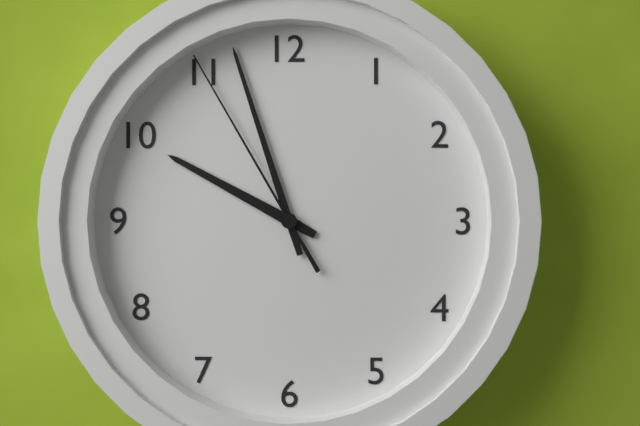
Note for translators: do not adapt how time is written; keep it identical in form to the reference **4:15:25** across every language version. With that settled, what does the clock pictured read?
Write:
**9:57:55**
